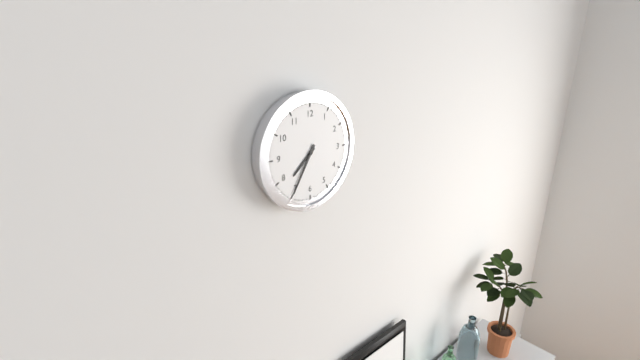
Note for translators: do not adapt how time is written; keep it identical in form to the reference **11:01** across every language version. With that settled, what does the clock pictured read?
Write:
**7:35**
